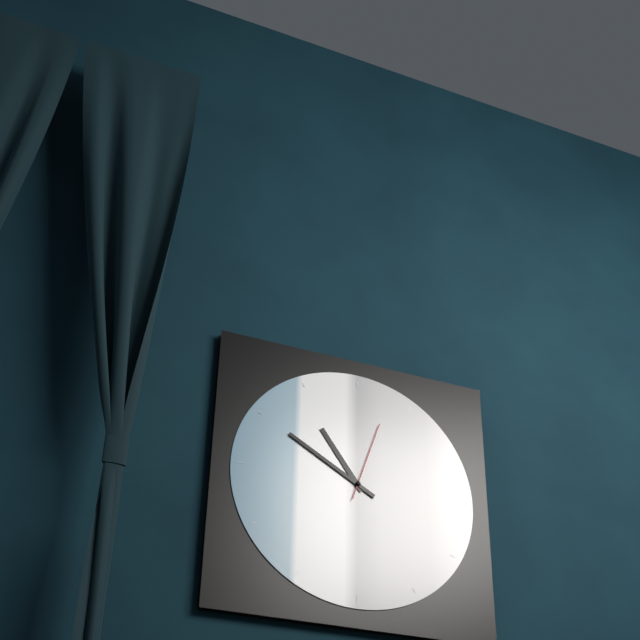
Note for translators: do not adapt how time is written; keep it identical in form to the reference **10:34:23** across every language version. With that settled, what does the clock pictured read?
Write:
**10:50:03**
